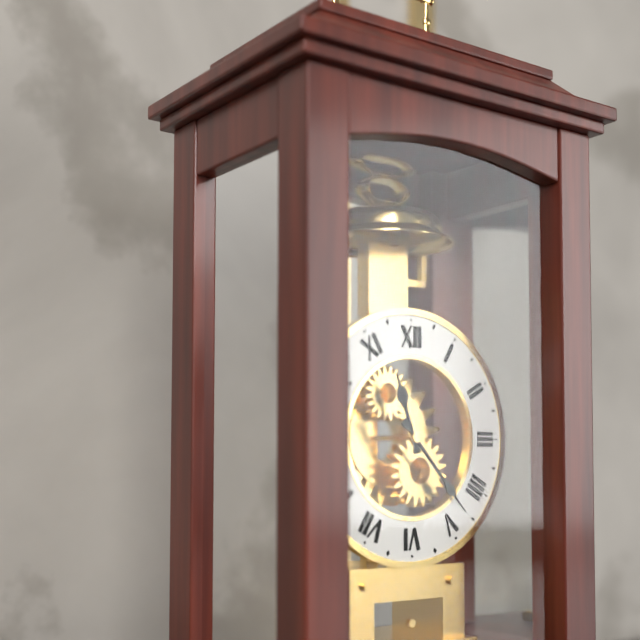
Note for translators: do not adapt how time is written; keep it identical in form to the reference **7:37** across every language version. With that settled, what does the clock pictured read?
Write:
**11:23**
